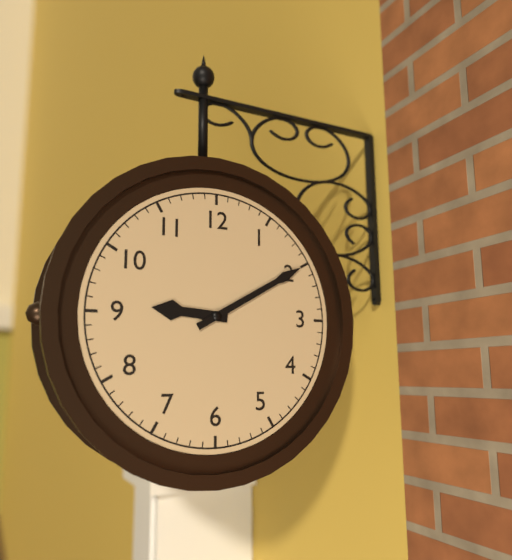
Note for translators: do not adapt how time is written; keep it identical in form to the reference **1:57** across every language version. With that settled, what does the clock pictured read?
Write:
**9:10**
